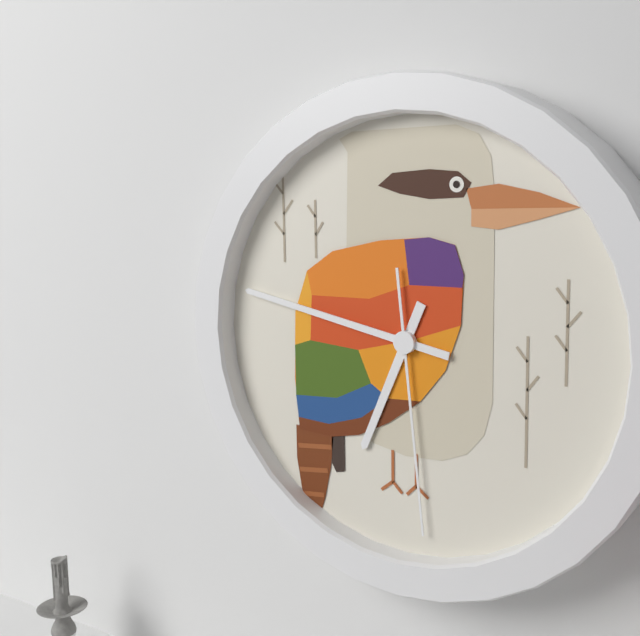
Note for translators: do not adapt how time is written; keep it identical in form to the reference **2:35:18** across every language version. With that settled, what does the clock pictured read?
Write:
**6:47:29**
